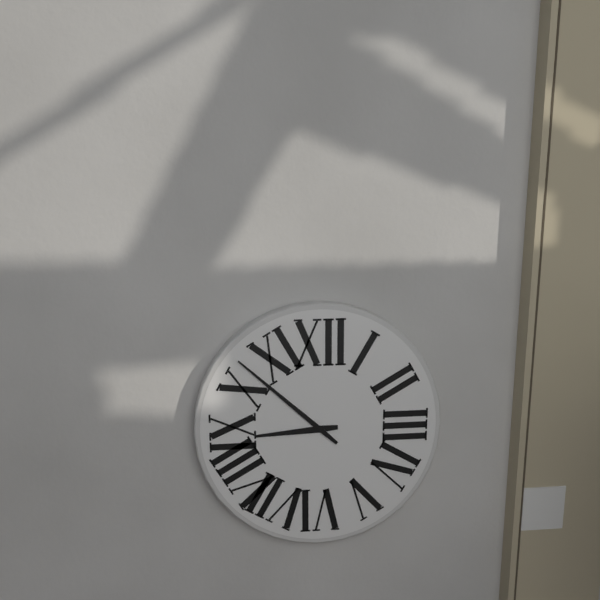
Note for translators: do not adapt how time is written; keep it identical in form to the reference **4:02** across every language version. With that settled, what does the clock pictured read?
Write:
**8:52**
